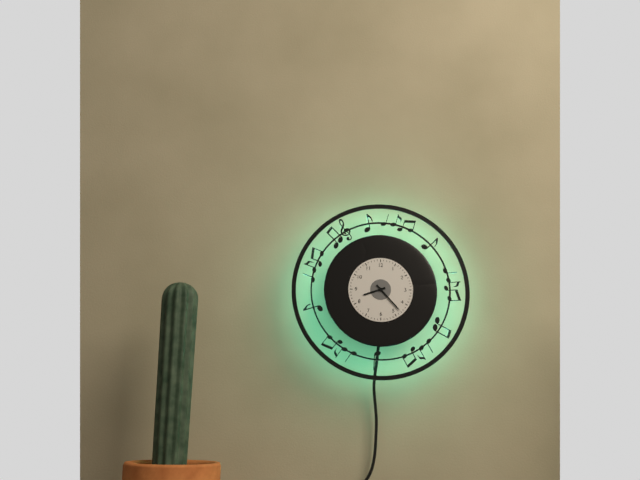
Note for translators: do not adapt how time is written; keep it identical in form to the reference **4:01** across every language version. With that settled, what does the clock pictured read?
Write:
**8:23**
